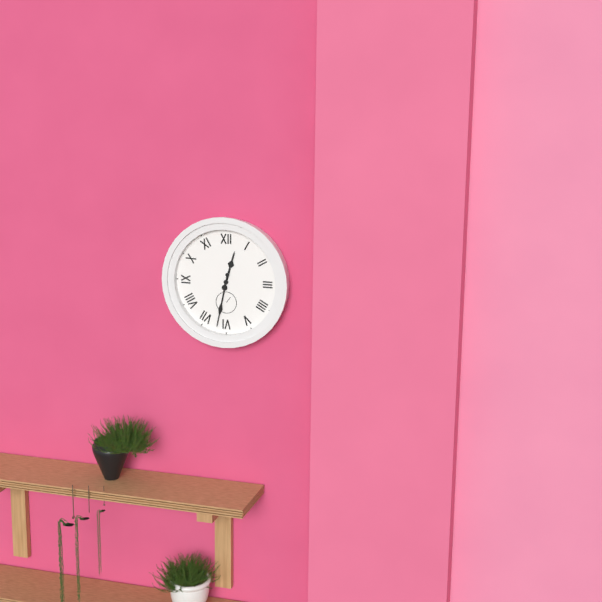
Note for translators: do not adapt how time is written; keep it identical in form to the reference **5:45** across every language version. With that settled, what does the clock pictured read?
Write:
**12:32**
